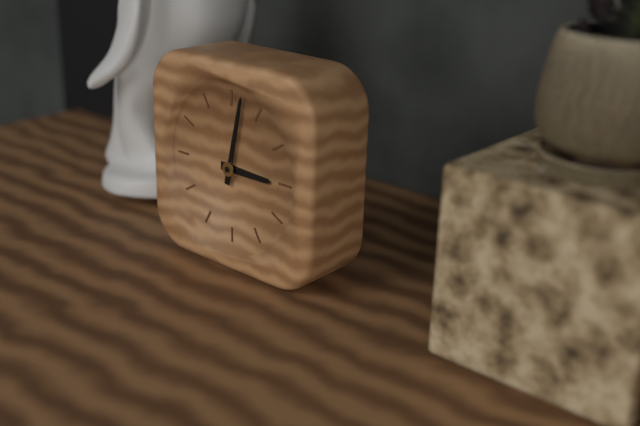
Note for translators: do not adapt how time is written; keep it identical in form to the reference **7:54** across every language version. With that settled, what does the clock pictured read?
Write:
**3:02**
